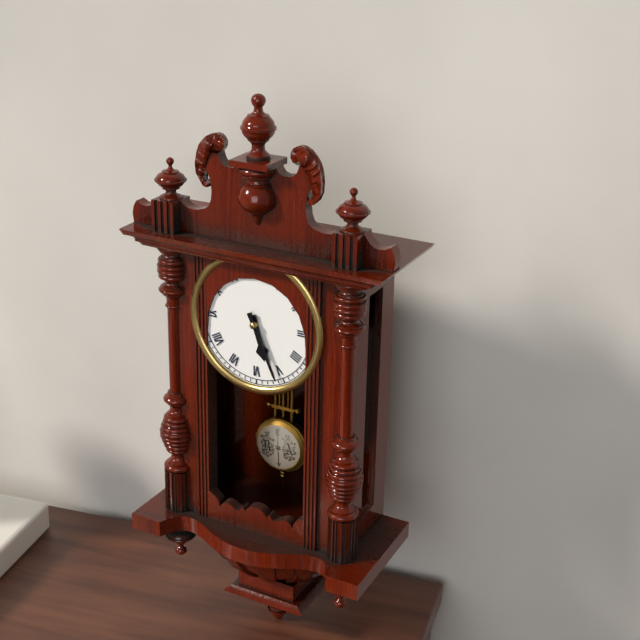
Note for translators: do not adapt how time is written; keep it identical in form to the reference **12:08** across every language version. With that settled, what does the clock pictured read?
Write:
**5:26**
